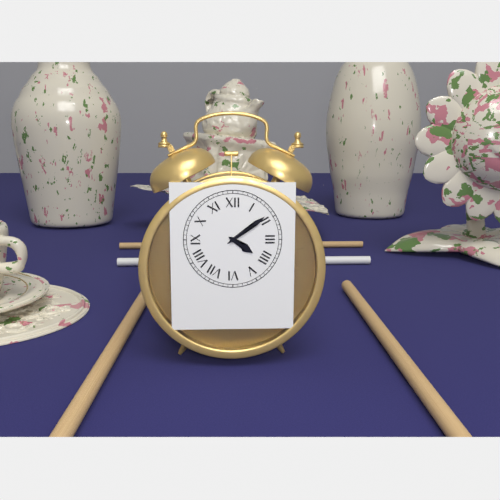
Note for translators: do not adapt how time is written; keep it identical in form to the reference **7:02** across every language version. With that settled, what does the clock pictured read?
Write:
**4:09**
